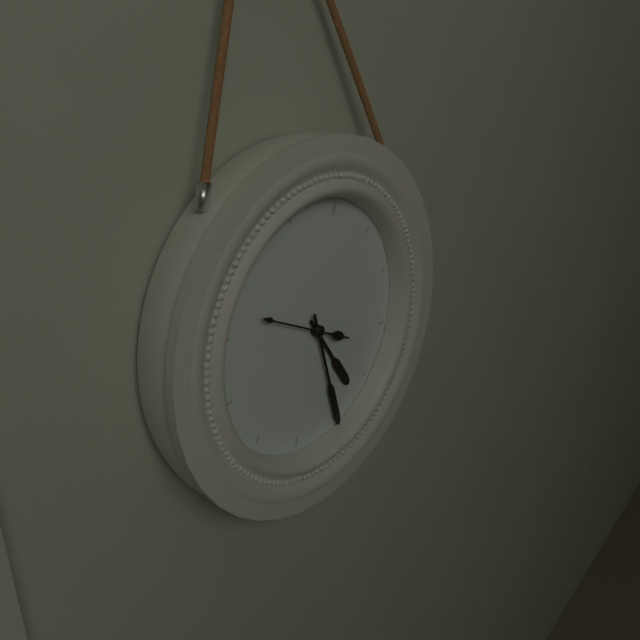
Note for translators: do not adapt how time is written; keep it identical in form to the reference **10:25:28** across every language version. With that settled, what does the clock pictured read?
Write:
**4:25:47**
